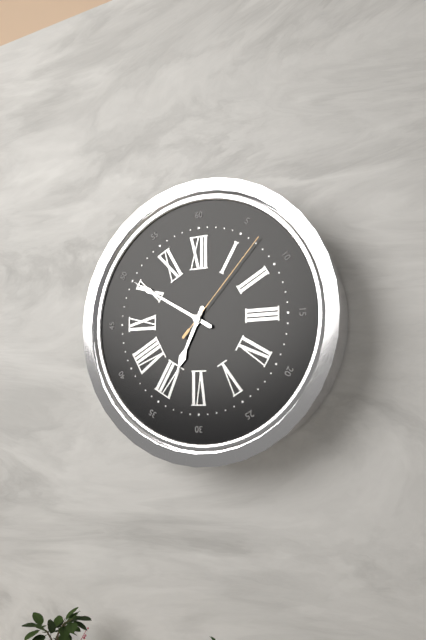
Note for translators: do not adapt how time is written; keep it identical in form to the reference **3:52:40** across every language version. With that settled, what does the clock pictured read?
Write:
**6:50:07**
